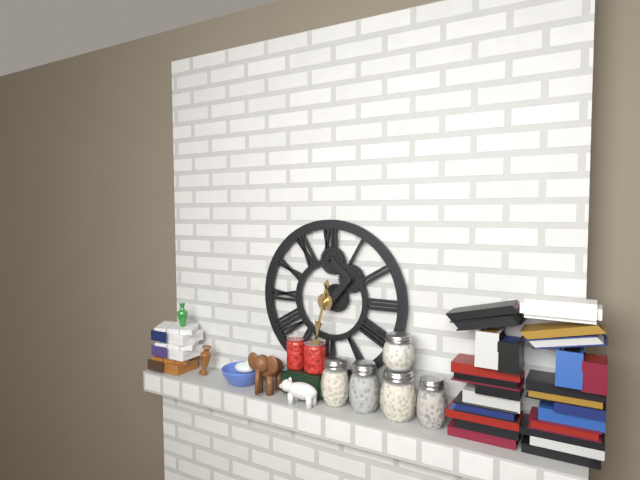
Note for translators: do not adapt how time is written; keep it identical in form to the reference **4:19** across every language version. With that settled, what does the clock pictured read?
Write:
**6:32**
